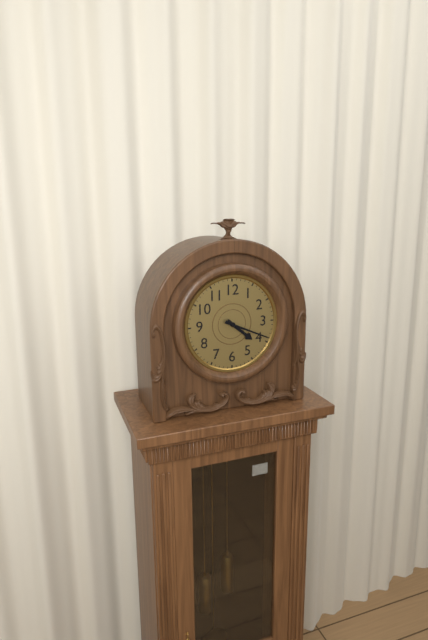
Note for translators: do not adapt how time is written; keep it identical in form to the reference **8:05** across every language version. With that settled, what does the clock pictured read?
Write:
**4:19**
